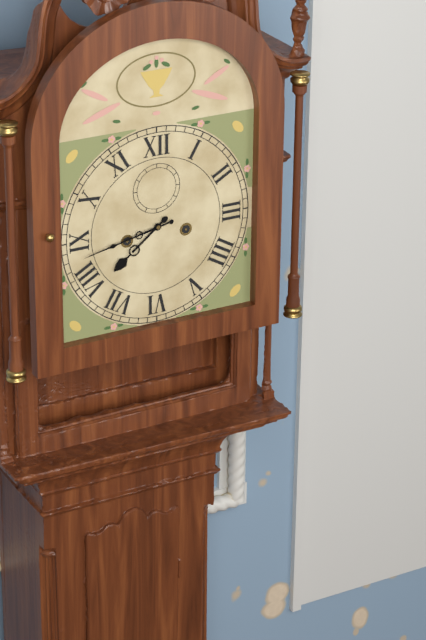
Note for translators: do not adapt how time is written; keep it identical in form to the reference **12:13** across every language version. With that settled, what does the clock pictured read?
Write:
**7:43**
